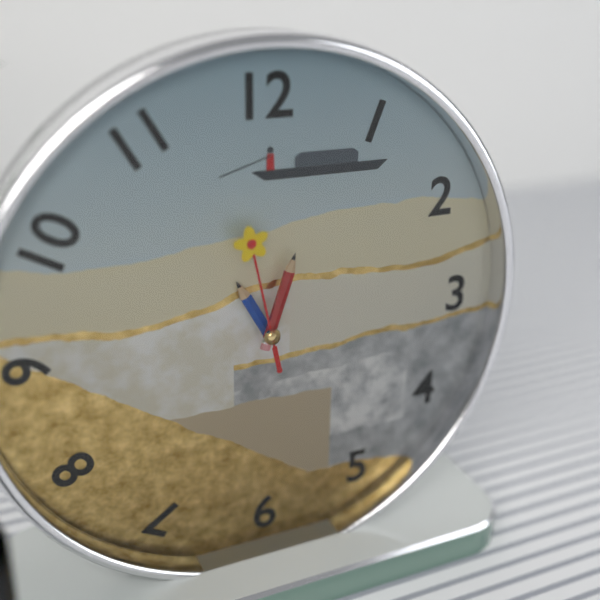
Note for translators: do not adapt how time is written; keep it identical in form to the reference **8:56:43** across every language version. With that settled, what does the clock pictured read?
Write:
**11:03:58**
